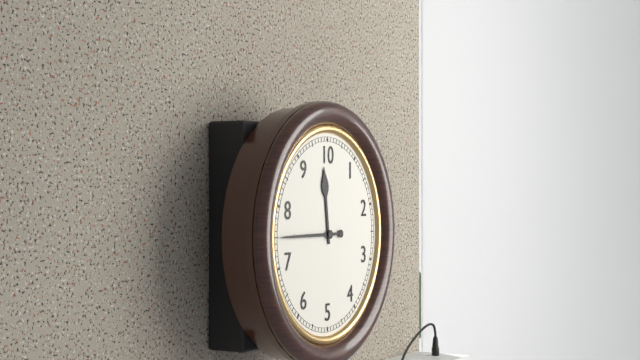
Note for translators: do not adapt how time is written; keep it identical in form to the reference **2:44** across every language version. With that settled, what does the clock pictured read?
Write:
**11:45**
